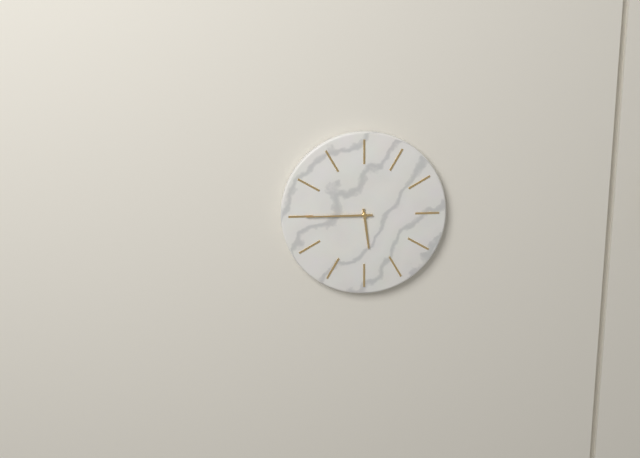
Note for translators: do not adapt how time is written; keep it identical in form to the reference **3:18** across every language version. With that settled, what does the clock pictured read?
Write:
**5:45**
